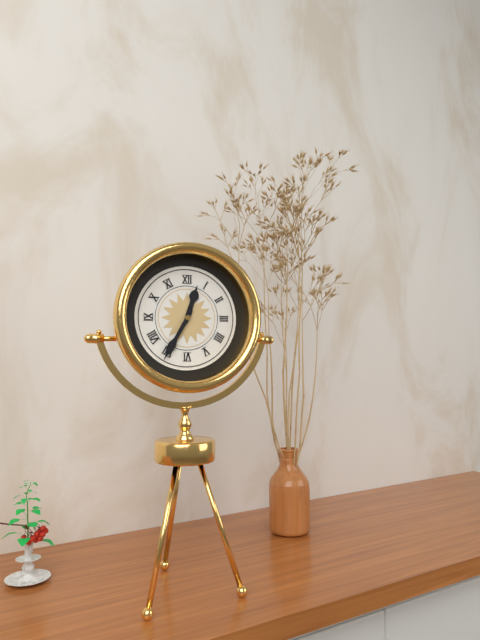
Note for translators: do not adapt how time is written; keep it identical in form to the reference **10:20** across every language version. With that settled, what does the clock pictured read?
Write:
**12:35**
